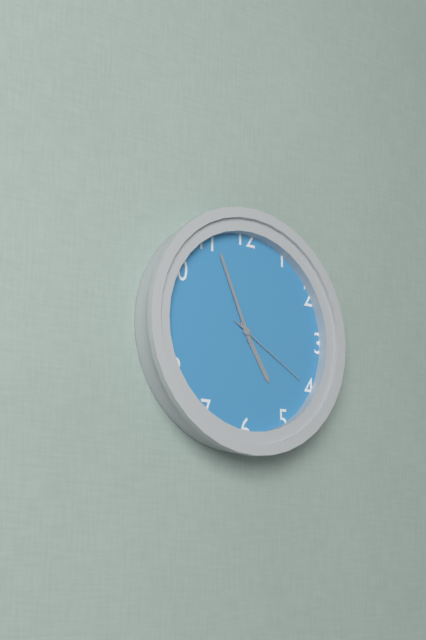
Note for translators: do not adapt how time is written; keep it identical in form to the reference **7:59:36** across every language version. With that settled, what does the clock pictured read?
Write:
**4:56:20**
